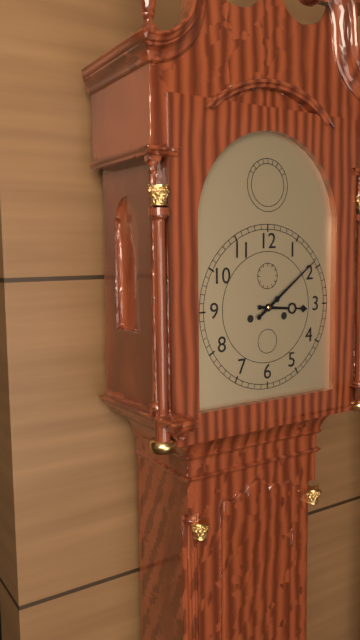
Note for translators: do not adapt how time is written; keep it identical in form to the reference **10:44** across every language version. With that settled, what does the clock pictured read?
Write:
**3:09**
